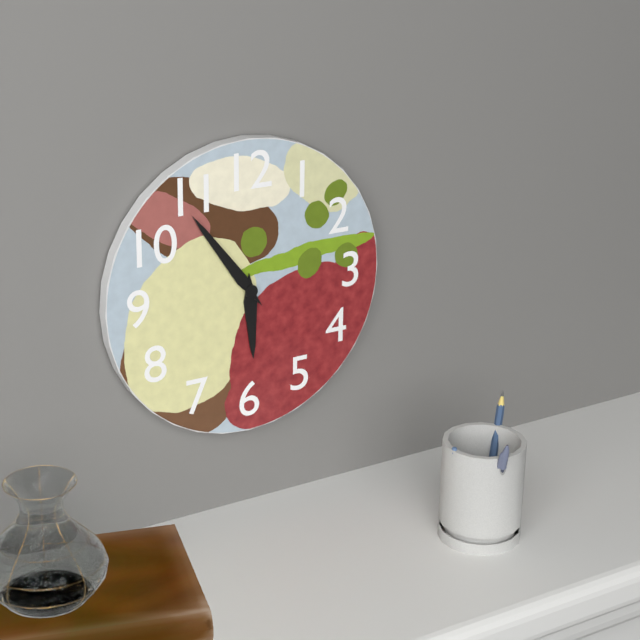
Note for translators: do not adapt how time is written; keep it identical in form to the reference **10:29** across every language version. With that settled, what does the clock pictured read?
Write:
**5:54**
